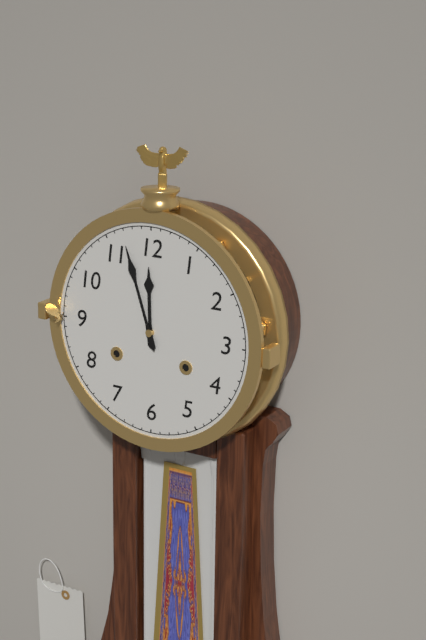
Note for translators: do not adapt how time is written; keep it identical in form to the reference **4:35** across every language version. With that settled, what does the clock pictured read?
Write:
**11:57**
